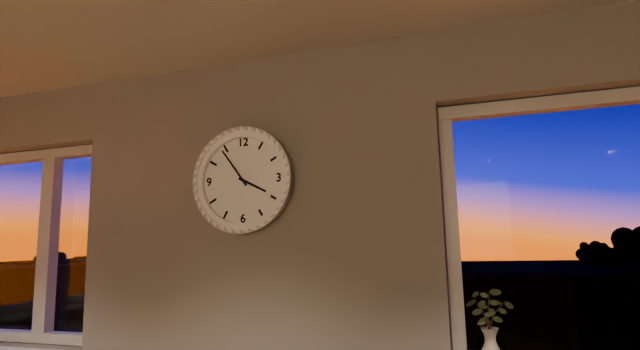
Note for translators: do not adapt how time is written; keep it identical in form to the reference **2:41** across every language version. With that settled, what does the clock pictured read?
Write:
**3:54**
